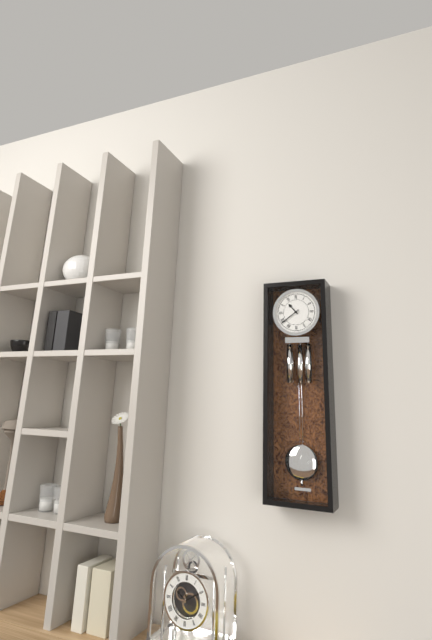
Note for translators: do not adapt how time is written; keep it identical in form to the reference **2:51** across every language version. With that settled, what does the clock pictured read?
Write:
**10:39**
